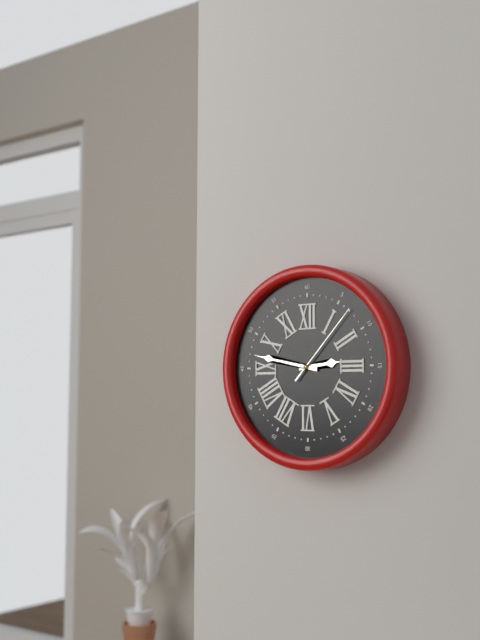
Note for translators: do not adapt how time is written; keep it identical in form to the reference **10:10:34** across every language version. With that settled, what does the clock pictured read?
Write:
**2:47:07**
